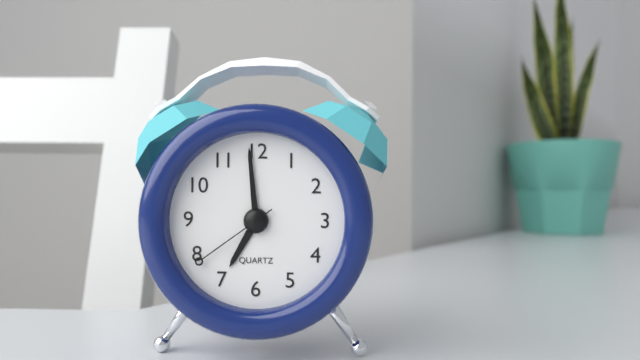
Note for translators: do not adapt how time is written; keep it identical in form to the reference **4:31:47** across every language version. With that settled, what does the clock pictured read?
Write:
**6:59:39**
